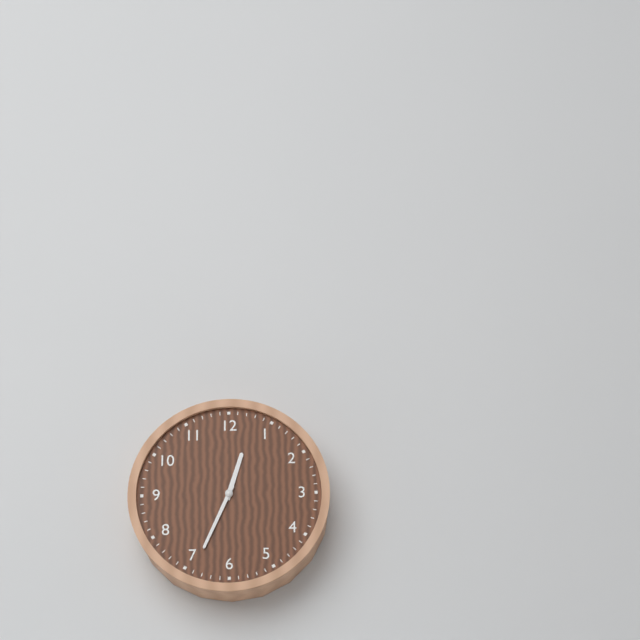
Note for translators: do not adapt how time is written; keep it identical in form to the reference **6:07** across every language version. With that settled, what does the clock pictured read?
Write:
**12:34**
